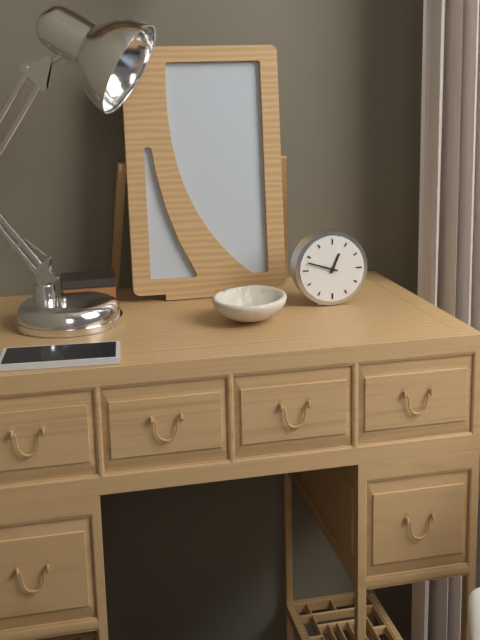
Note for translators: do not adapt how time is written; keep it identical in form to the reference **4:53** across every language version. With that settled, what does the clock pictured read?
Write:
**12:48**
